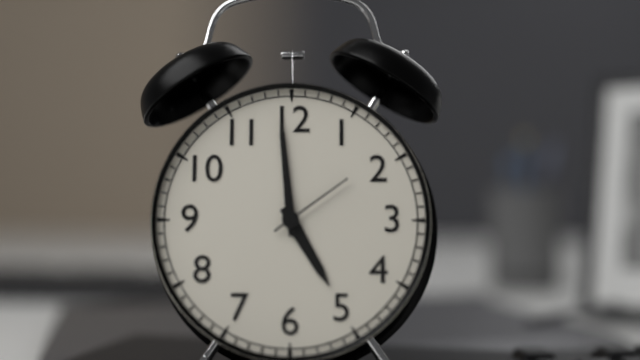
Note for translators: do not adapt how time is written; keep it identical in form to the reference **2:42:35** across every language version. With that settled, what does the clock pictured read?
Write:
**4:59:09**
